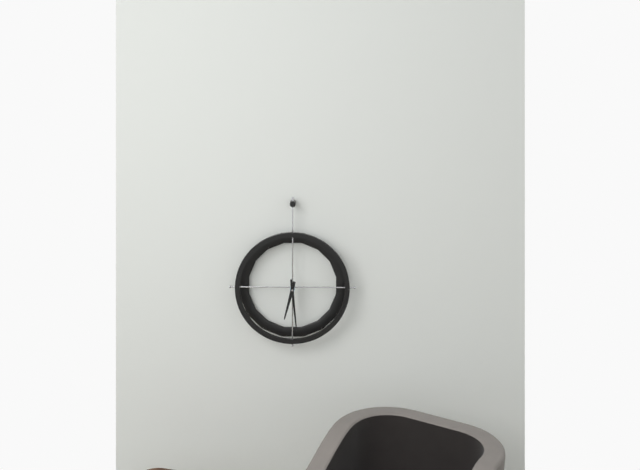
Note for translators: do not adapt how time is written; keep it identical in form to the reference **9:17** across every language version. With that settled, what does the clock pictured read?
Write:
**6:29**
